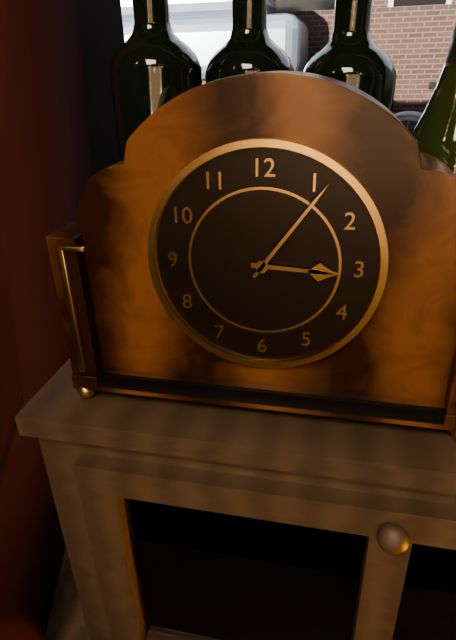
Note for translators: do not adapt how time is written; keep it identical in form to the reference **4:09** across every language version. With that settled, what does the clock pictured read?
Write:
**3:06**
